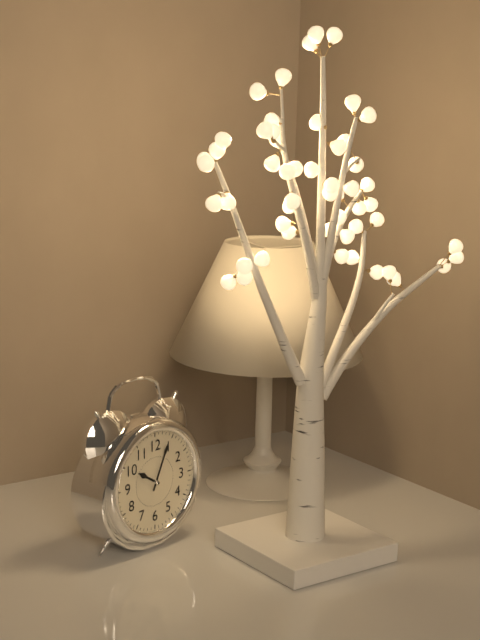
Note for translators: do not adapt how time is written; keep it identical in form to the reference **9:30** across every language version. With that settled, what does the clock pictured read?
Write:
**10:04**
